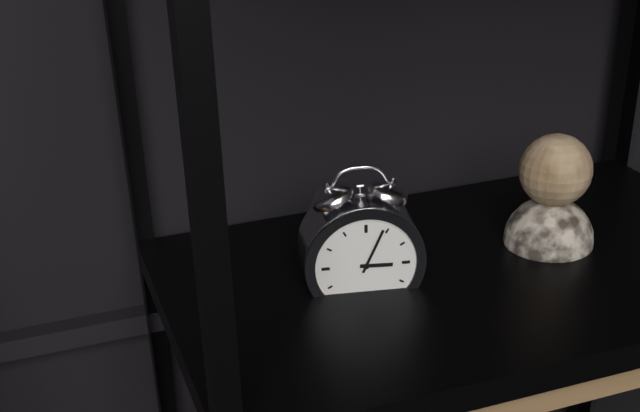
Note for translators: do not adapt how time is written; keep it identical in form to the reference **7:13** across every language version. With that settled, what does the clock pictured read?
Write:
**3:04**
